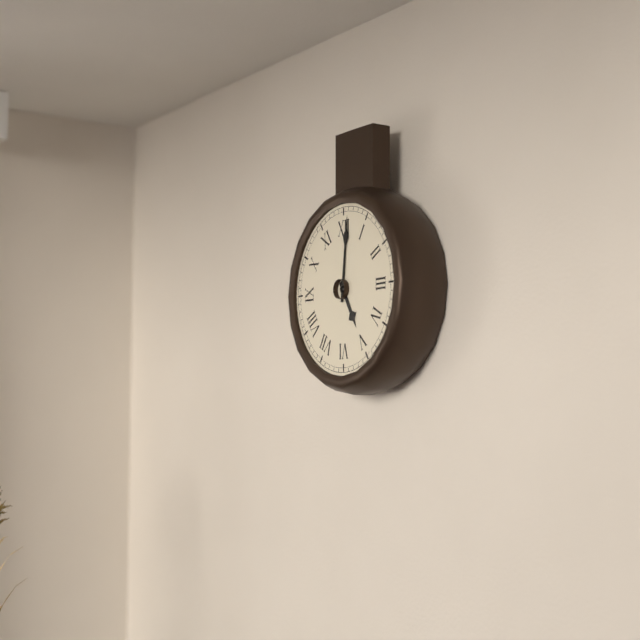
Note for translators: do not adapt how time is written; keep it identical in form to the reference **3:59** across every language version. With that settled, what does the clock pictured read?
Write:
**5:01**
